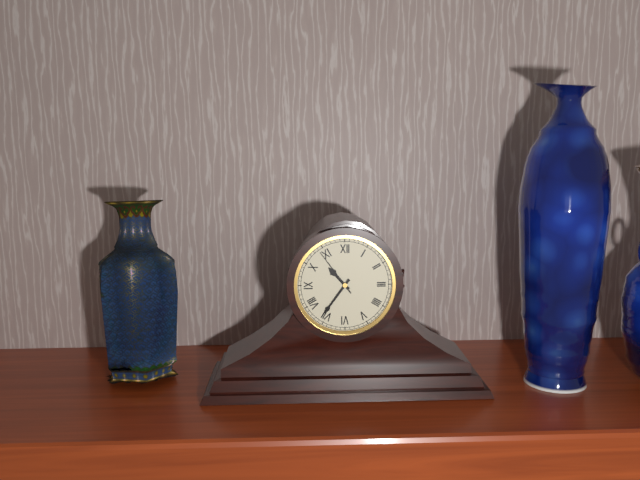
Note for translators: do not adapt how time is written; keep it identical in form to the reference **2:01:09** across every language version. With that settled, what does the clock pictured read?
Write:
**10:36:54**
